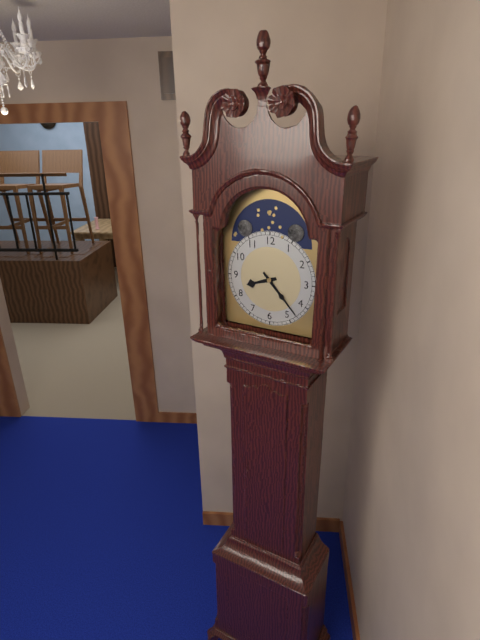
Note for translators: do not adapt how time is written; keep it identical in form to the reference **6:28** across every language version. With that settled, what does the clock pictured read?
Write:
**8:23**
